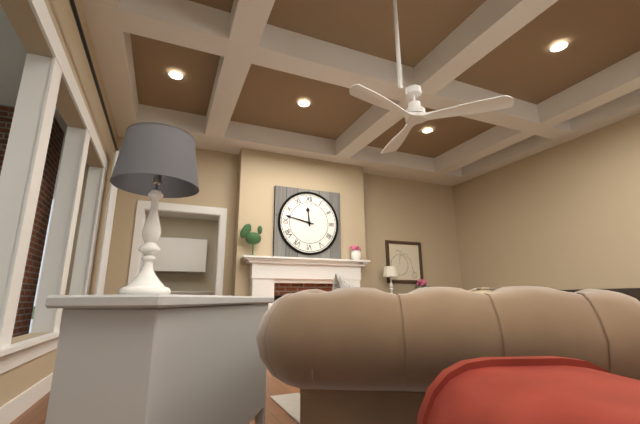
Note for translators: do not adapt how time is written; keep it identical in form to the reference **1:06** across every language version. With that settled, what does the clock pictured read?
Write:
**11:47**
